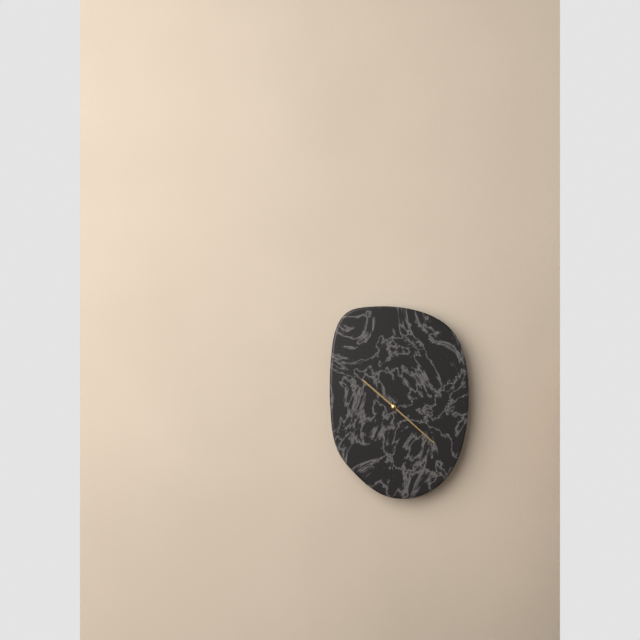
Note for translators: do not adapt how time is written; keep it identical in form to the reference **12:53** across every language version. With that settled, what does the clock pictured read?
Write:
**10:22**
